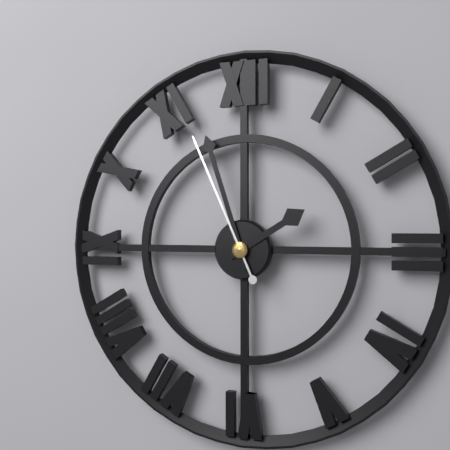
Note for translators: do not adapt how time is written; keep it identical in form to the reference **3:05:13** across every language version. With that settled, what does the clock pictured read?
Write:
**1:57:56**
